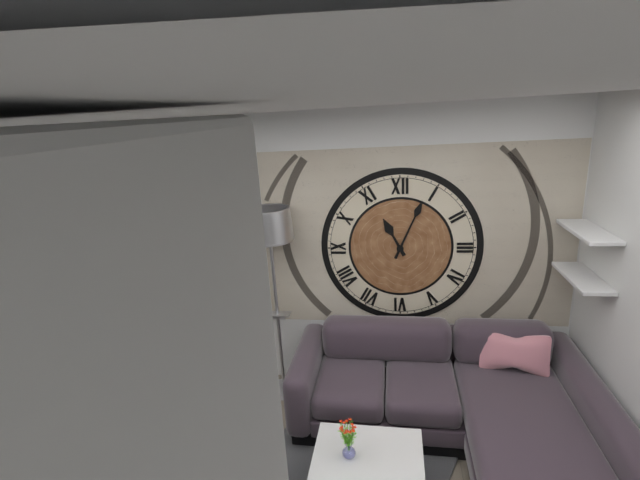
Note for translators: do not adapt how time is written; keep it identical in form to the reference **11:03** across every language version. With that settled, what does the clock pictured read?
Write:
**11:04**
